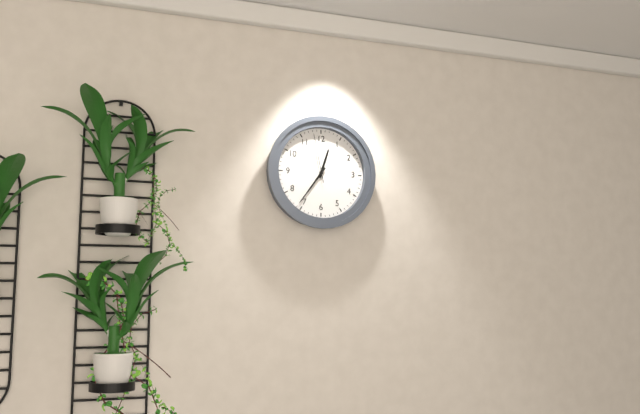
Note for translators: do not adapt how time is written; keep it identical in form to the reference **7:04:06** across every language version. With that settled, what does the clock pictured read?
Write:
**12:36:58**
